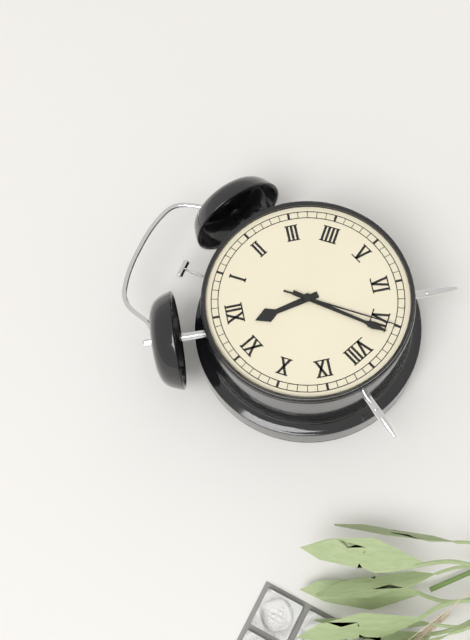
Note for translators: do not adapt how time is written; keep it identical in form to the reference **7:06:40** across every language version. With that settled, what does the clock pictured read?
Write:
**11:36:35**
